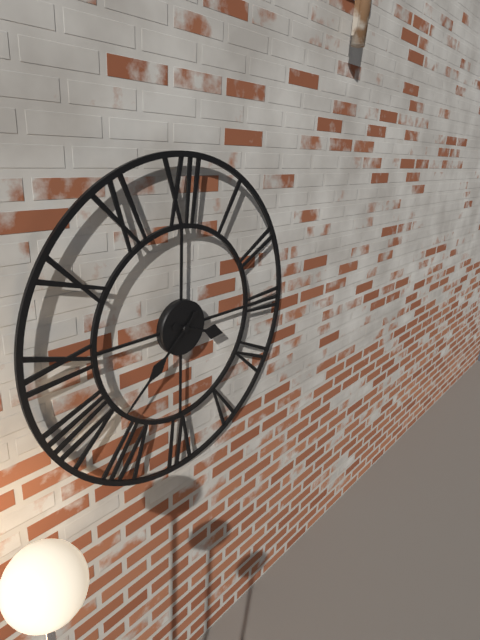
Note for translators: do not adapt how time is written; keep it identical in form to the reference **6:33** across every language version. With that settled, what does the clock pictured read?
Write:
**3:38**
